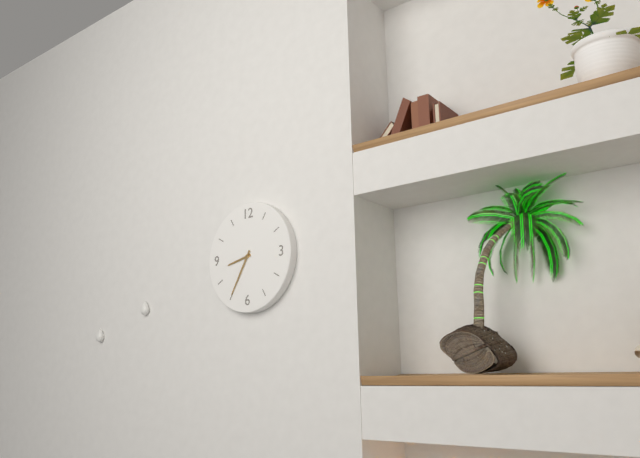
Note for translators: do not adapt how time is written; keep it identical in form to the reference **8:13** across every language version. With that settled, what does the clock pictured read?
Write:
**8:35**
